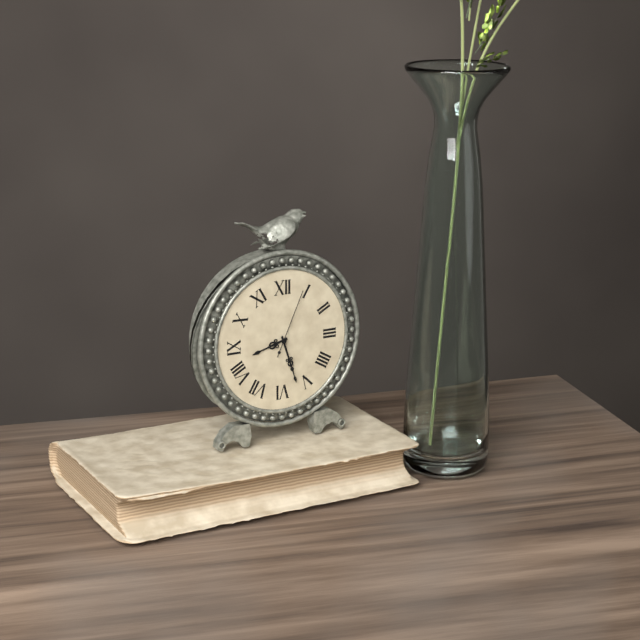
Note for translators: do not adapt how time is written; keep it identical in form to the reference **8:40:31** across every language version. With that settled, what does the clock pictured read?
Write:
**8:27:04**
